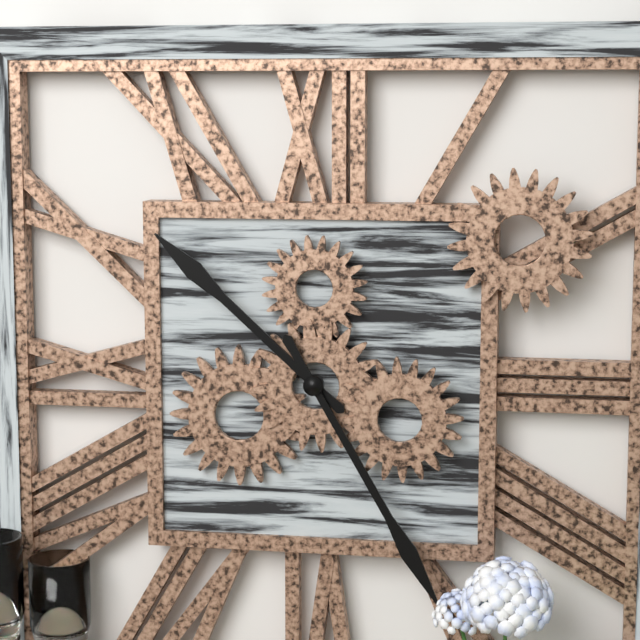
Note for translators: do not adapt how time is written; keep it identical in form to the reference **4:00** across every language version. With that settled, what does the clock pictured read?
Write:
**10:25**
